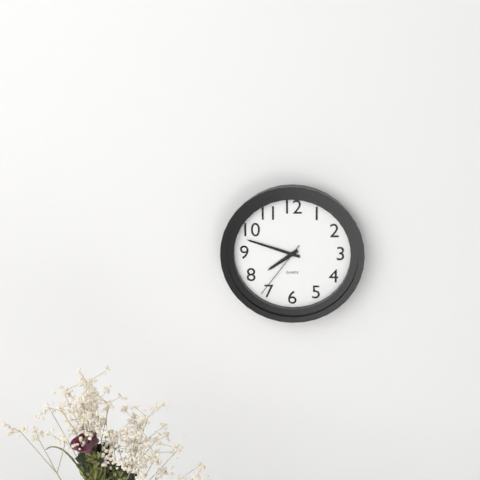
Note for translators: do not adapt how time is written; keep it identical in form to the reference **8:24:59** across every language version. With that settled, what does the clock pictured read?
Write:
**7:48:36**
